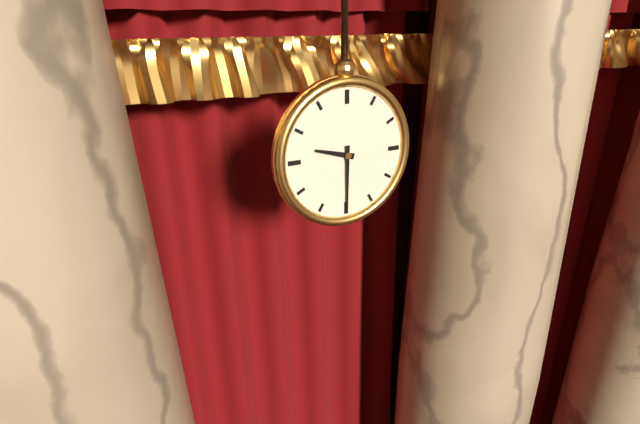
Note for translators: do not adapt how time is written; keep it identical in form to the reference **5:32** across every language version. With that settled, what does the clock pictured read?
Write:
**9:30**
